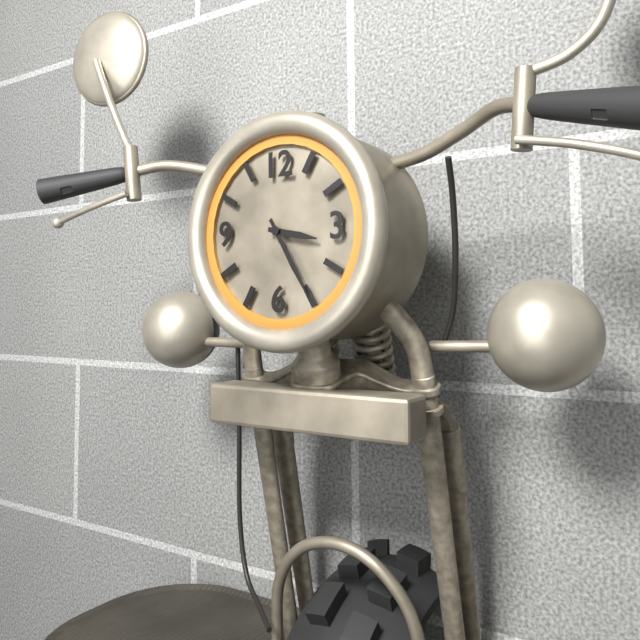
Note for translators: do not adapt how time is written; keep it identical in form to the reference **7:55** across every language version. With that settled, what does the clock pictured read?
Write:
**3:25**
